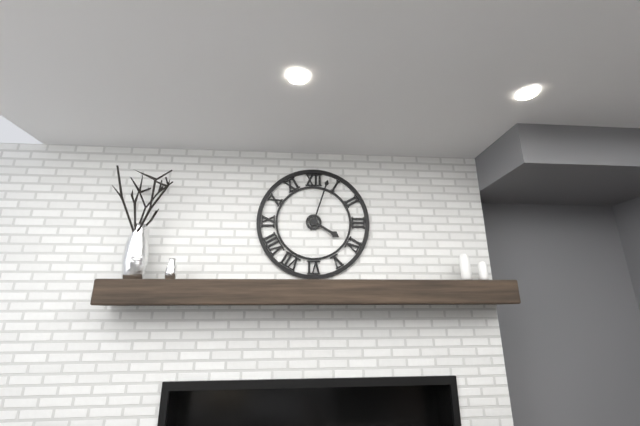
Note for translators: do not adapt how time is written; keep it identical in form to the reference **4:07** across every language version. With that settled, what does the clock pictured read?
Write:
**4:03**
